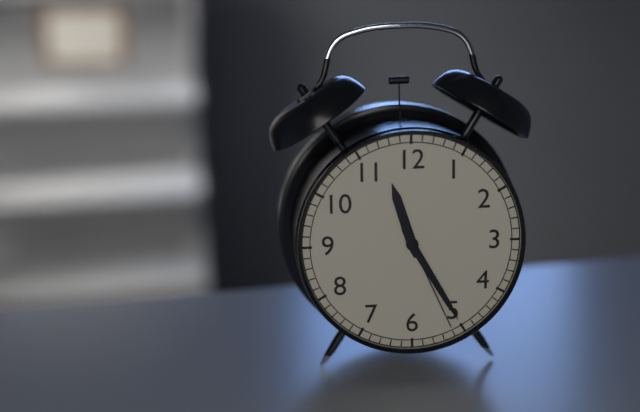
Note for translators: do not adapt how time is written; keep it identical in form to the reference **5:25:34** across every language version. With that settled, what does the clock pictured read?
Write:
**11:25:26**
